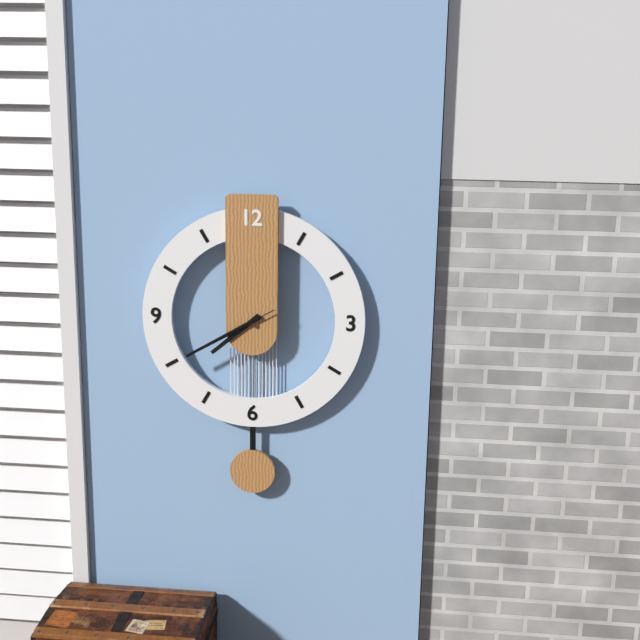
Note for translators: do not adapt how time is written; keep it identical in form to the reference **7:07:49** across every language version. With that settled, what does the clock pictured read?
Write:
**7:40:40**
